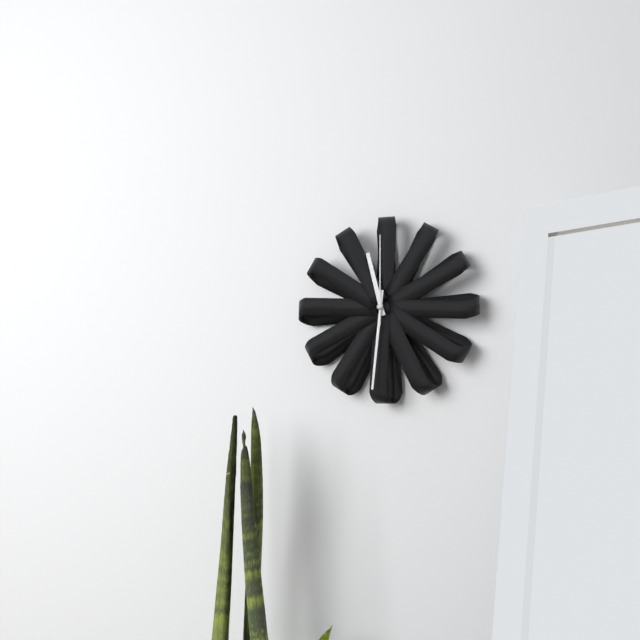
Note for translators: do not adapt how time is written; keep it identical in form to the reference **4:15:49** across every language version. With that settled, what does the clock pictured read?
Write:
**11:31:00**
